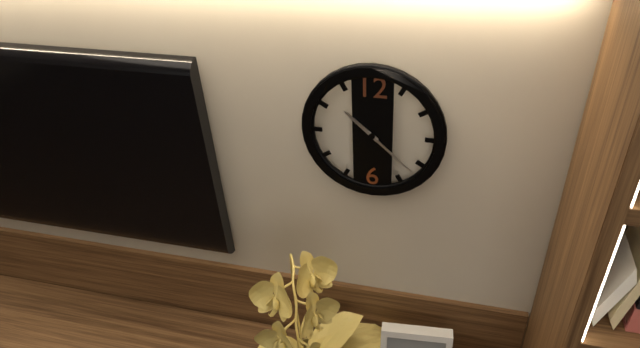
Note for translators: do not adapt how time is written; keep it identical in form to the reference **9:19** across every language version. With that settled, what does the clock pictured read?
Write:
**10:22**
